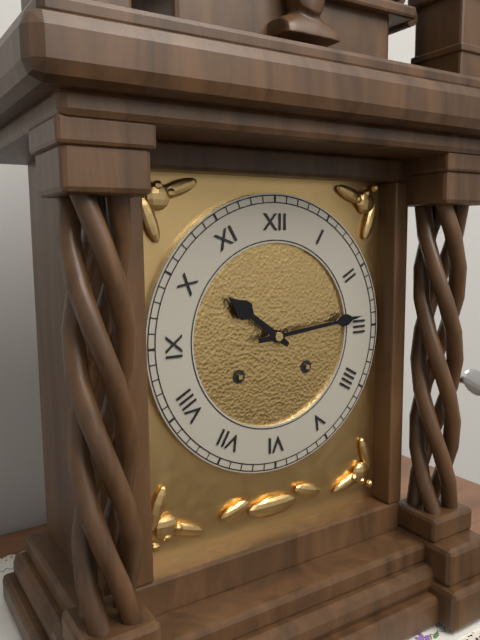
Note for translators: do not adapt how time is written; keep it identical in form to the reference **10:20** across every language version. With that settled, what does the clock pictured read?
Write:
**10:14**
